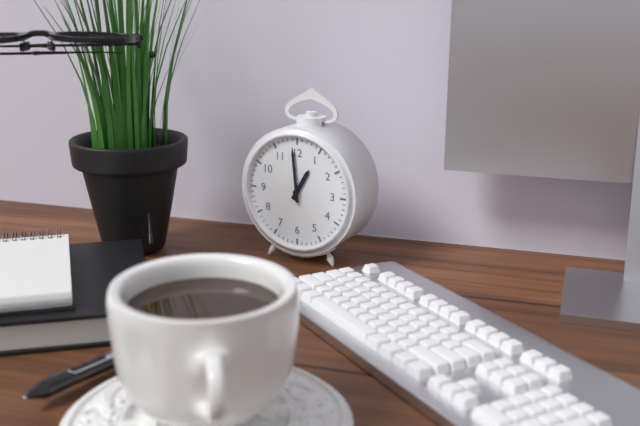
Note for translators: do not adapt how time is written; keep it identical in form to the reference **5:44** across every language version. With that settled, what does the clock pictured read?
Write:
**12:59**
